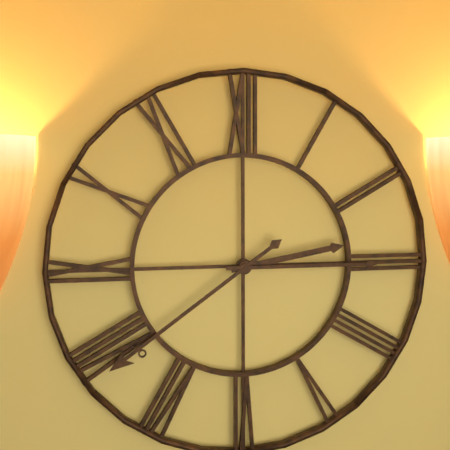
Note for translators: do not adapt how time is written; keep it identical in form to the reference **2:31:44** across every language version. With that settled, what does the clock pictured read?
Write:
**2:39:15**
